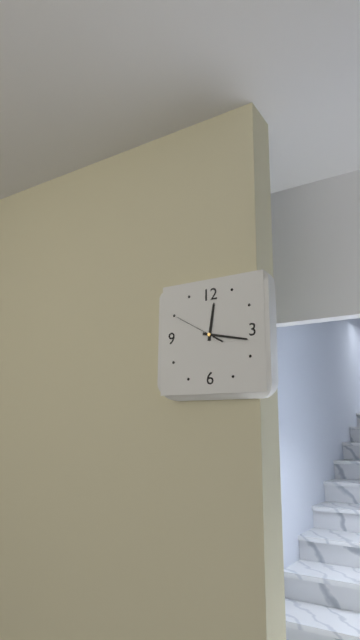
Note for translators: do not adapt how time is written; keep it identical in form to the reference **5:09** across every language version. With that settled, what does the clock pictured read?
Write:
**12:17**
